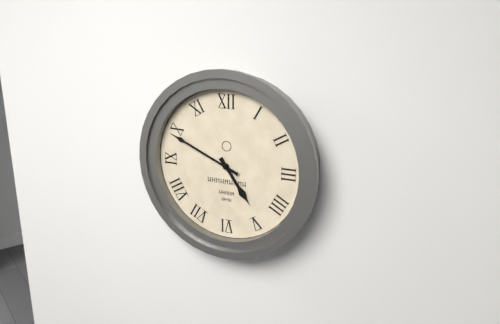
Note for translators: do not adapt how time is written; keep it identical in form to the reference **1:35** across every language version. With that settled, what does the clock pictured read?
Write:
**4:49**
